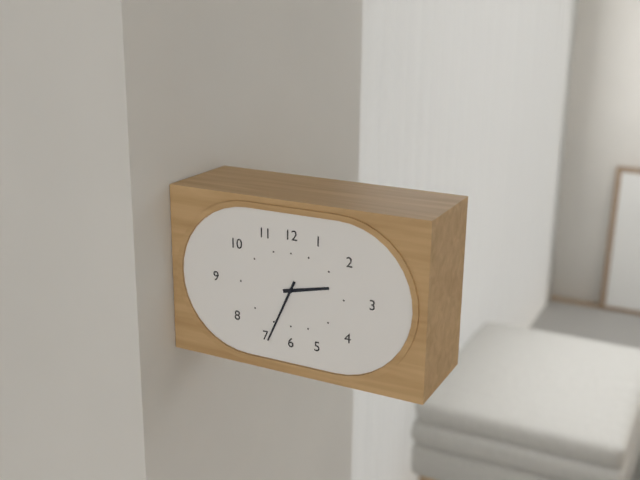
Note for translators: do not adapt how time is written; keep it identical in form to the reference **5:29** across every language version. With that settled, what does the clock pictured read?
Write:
**2:34**
